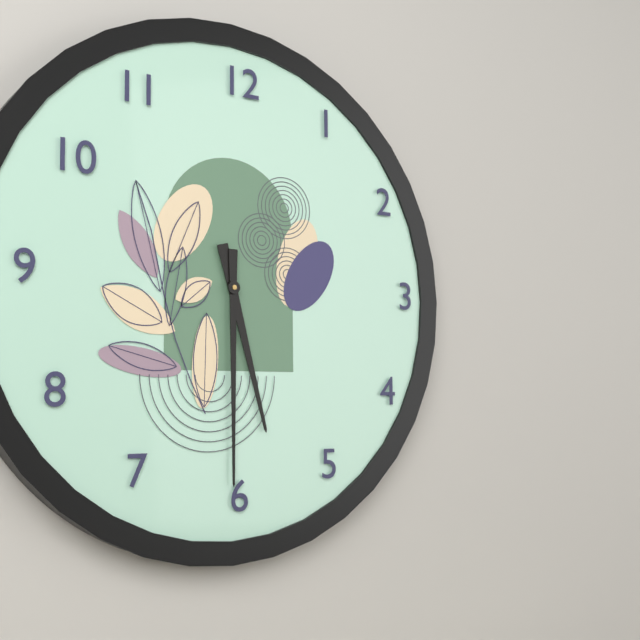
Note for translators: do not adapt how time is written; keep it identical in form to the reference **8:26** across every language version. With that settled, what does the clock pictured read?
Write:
**5:30**
